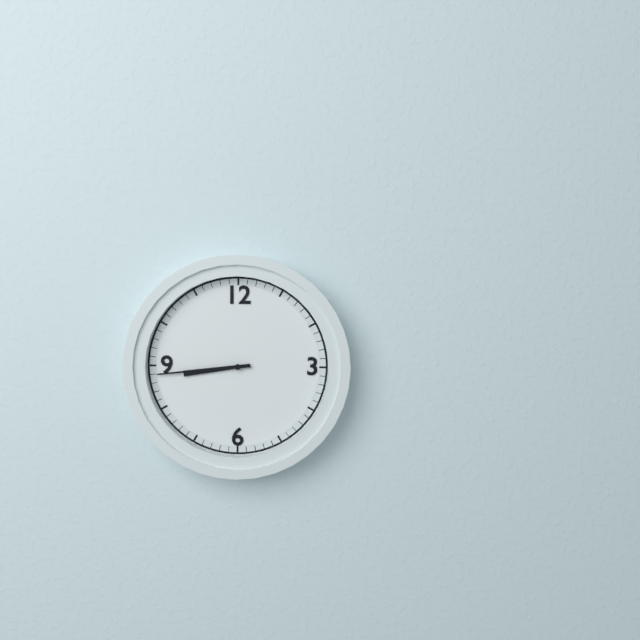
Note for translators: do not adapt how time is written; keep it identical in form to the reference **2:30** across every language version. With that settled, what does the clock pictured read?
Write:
**8:44**
